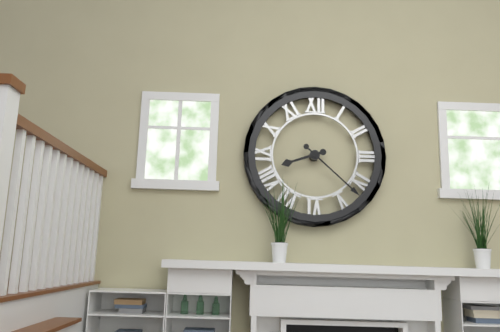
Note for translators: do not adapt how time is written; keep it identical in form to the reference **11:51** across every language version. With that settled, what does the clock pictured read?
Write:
**8:22**
